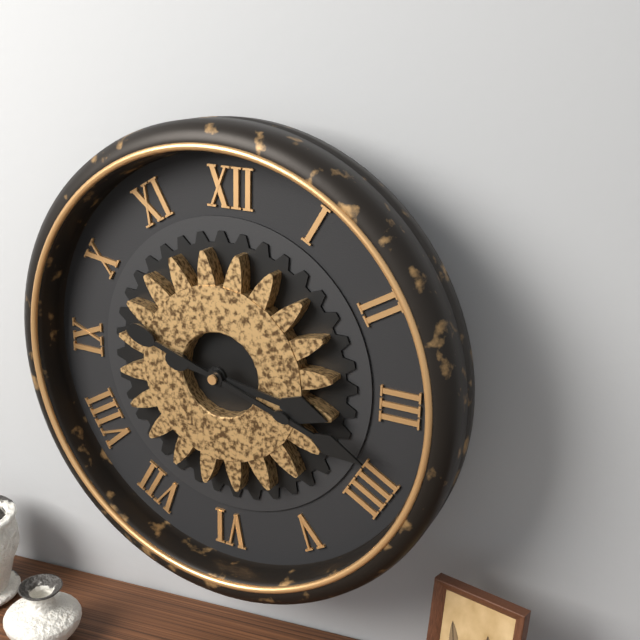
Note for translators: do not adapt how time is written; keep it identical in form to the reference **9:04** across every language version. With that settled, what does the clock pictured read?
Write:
**3:18**
